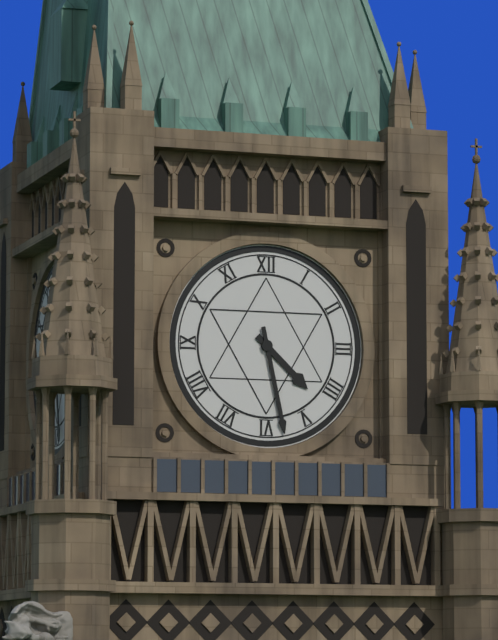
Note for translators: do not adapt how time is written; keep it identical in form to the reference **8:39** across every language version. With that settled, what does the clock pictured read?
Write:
**4:28**
